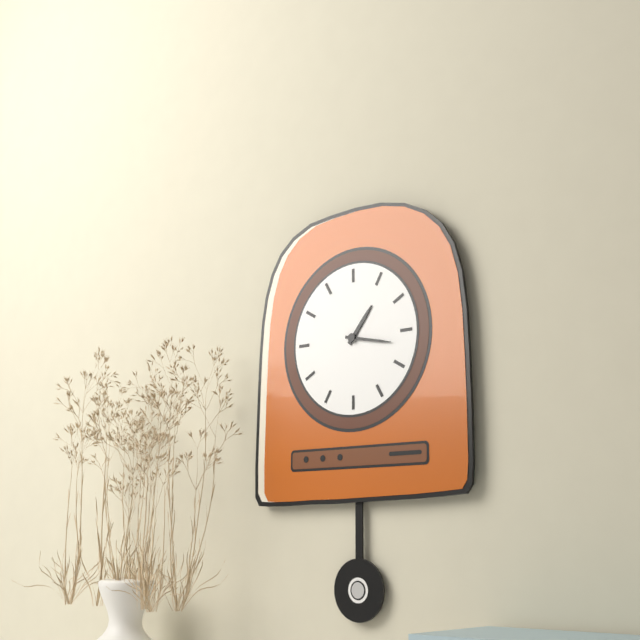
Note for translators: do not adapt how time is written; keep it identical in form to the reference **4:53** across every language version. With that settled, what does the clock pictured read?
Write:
**1:17**
